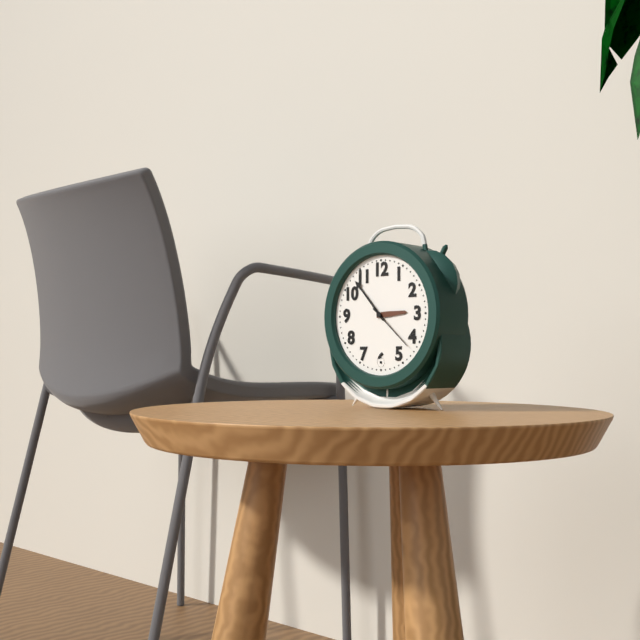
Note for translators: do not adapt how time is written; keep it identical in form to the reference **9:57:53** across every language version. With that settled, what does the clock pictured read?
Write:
**2:53:22**
